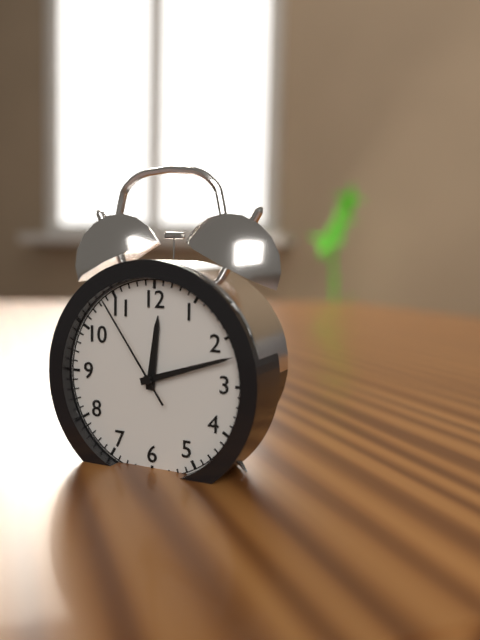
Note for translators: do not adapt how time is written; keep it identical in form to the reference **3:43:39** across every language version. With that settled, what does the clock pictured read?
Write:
**12:12:54**
